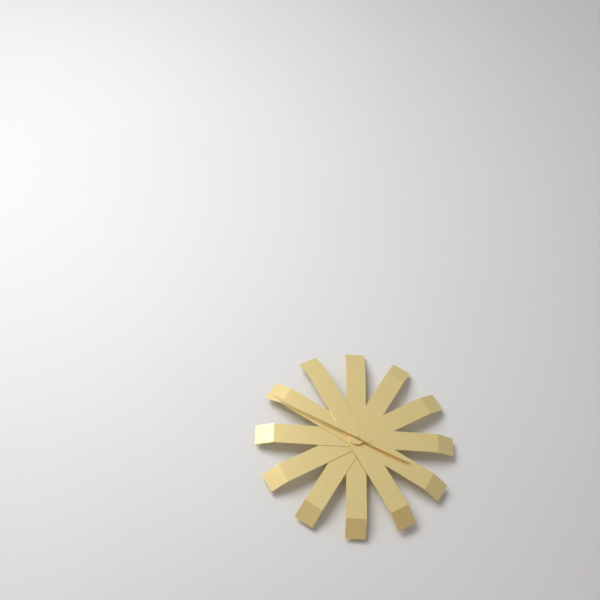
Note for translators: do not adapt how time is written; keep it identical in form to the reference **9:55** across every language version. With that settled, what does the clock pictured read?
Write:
**3:49**
